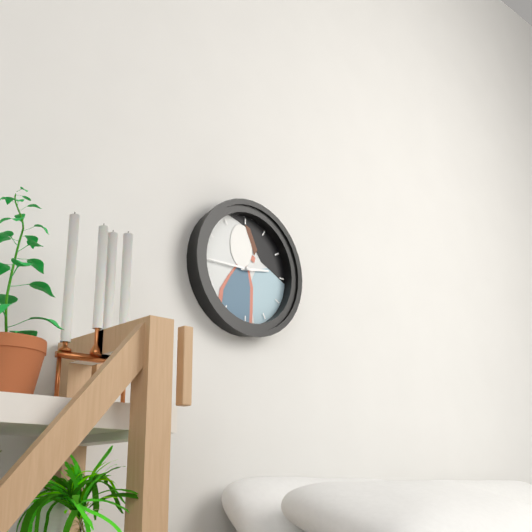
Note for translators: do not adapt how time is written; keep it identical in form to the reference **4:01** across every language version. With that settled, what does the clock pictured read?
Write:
**2:45**
